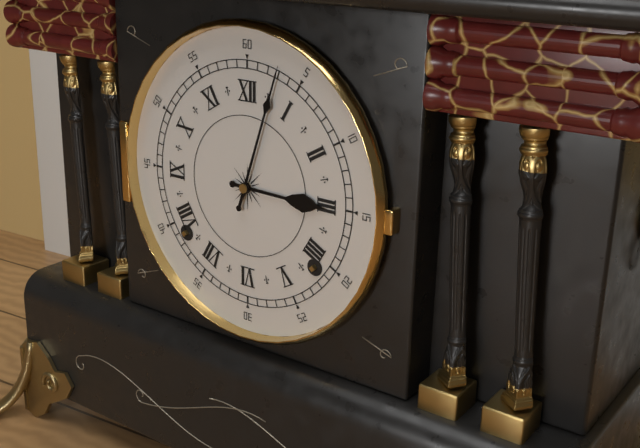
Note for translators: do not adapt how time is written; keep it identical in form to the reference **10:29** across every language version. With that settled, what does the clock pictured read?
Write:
**3:03**
